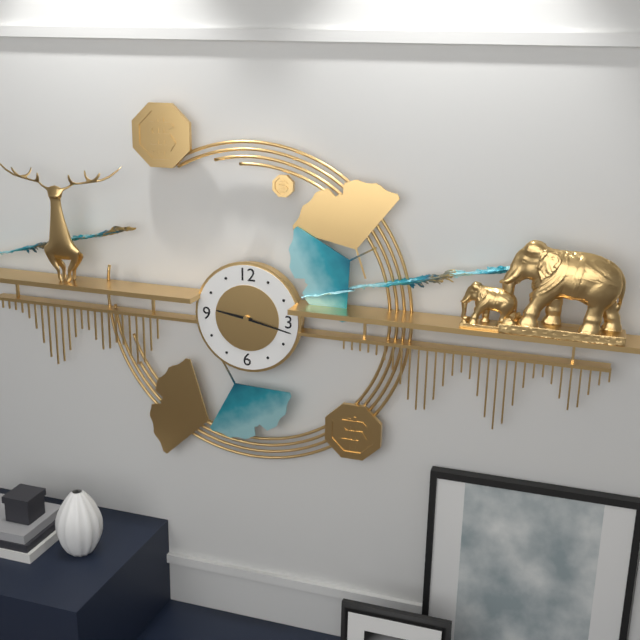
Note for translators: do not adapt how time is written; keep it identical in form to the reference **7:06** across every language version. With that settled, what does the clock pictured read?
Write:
**9:17**
